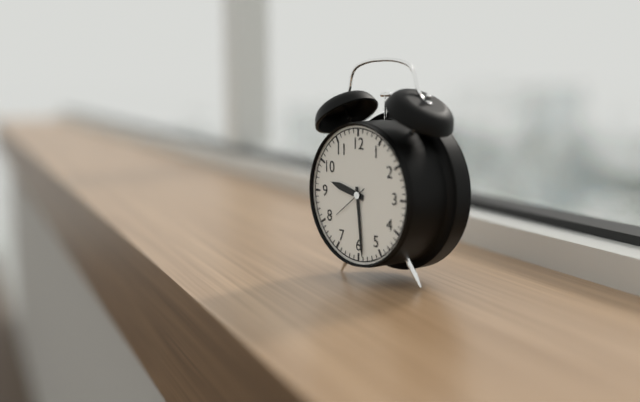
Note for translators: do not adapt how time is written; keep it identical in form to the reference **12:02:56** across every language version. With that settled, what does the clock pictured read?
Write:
**9:29:39**
